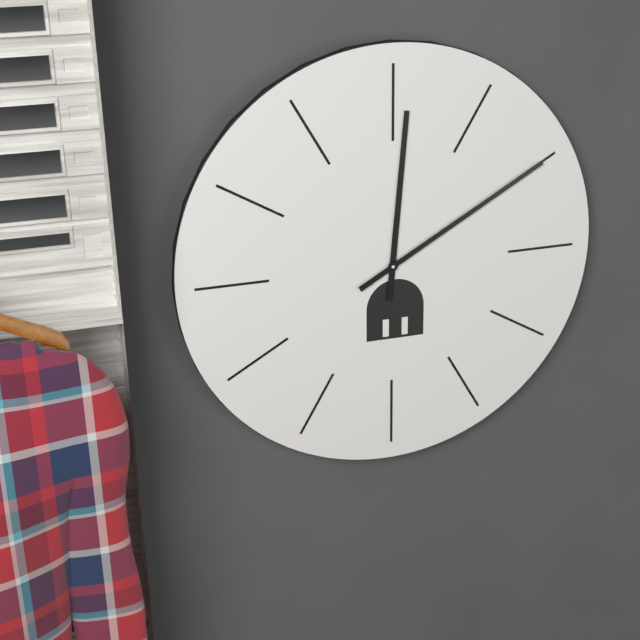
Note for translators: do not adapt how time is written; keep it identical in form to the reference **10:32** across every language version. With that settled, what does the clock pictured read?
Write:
**12:10**
